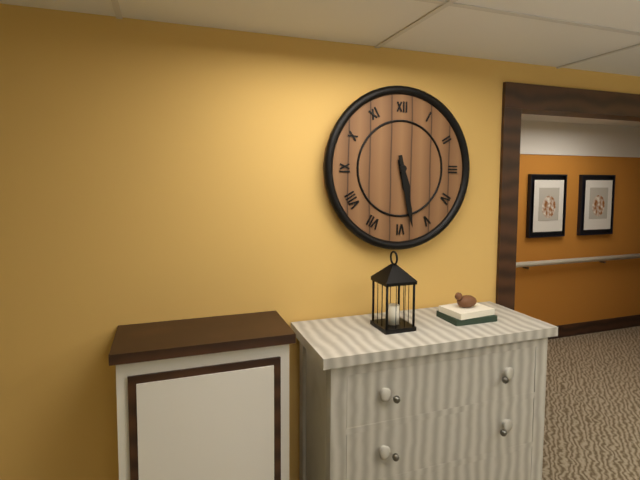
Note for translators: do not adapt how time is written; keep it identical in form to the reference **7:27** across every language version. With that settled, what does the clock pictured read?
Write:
**5:28**
